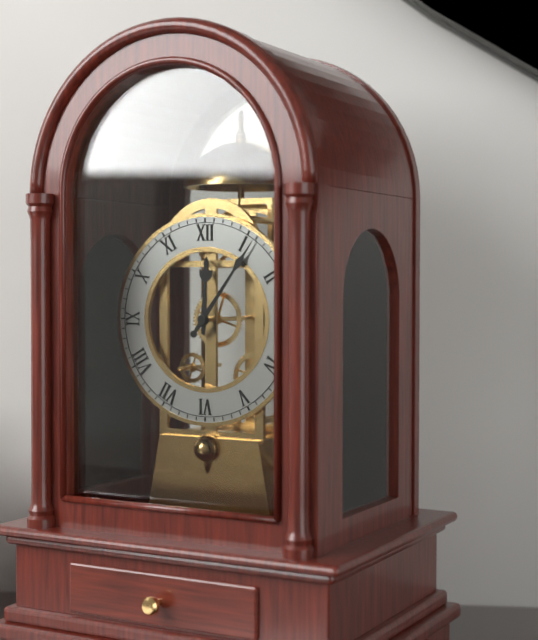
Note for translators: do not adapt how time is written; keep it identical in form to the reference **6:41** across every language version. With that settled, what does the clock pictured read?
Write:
**12:06**
